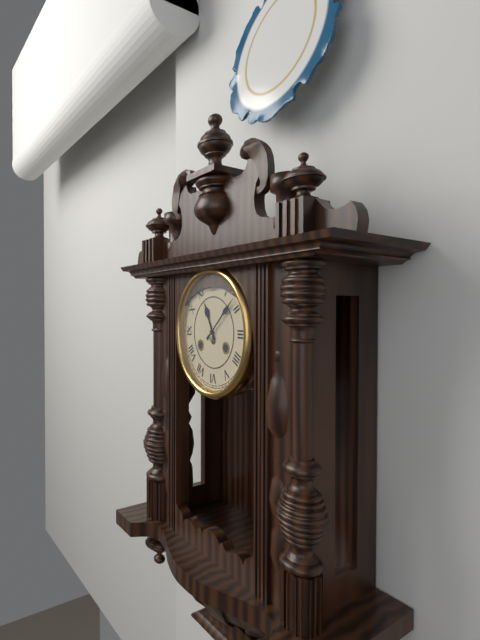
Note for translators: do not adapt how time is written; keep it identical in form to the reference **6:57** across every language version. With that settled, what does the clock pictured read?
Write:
**11:08**
